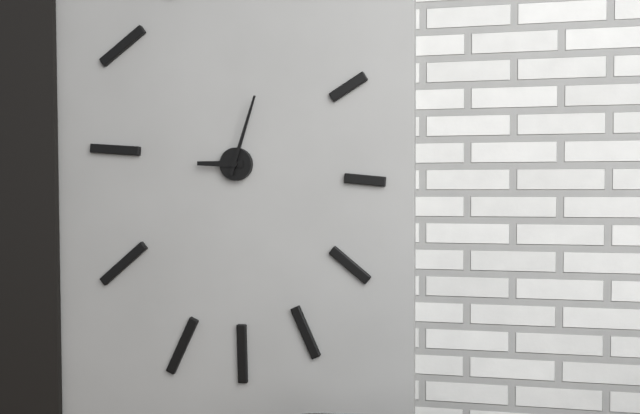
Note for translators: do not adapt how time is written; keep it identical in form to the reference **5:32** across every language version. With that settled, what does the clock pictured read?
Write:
**9:03**
